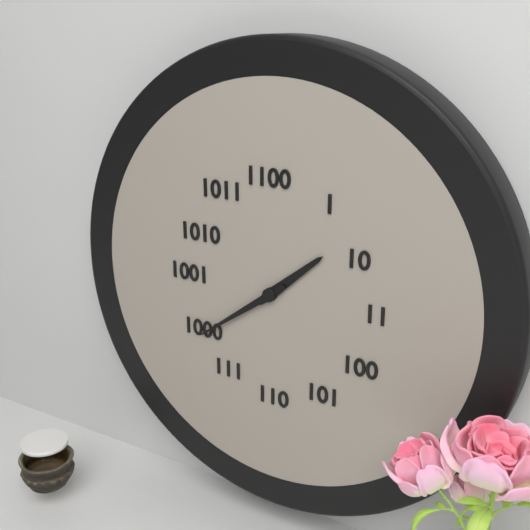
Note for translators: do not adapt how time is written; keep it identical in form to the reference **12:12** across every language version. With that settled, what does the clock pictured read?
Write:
**1:39**
